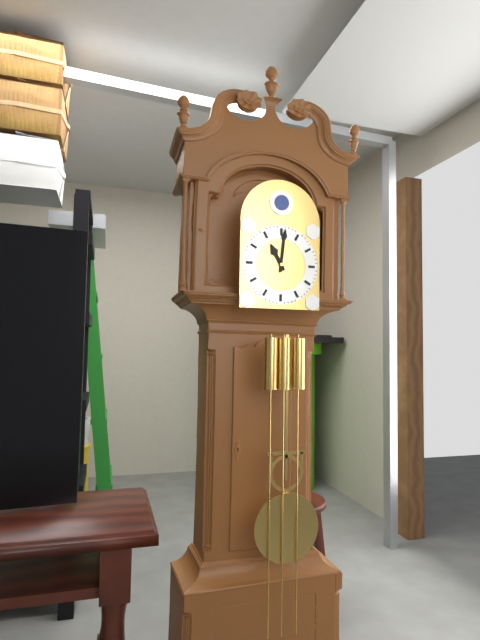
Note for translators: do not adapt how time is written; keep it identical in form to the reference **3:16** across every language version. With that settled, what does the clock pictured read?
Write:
**11:01**
